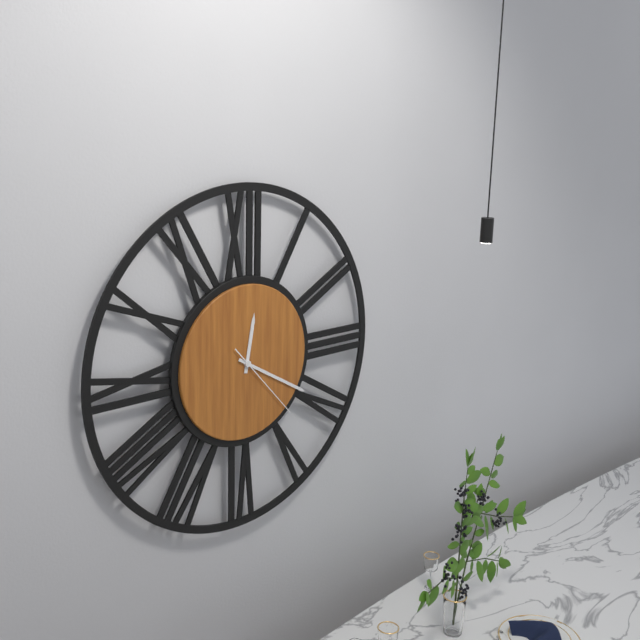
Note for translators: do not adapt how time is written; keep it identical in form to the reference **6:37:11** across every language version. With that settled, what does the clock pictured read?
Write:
**12:20:23**
